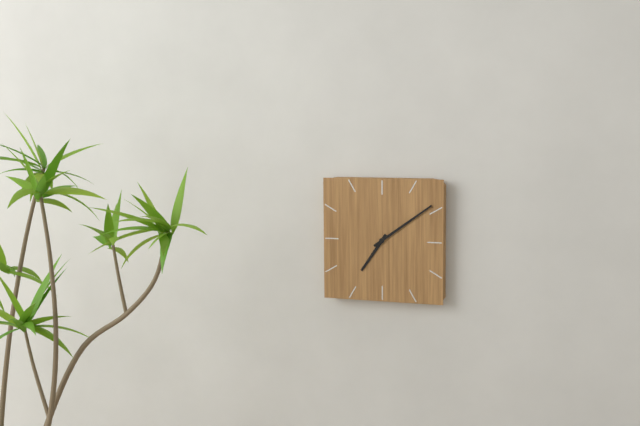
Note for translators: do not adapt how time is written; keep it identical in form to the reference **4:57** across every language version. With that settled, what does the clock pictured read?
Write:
**7:09**
